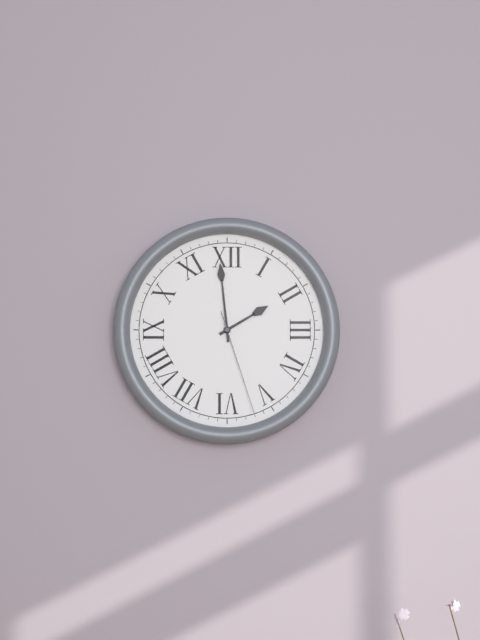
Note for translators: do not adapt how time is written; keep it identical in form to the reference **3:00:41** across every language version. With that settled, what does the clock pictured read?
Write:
**1:59:27**
